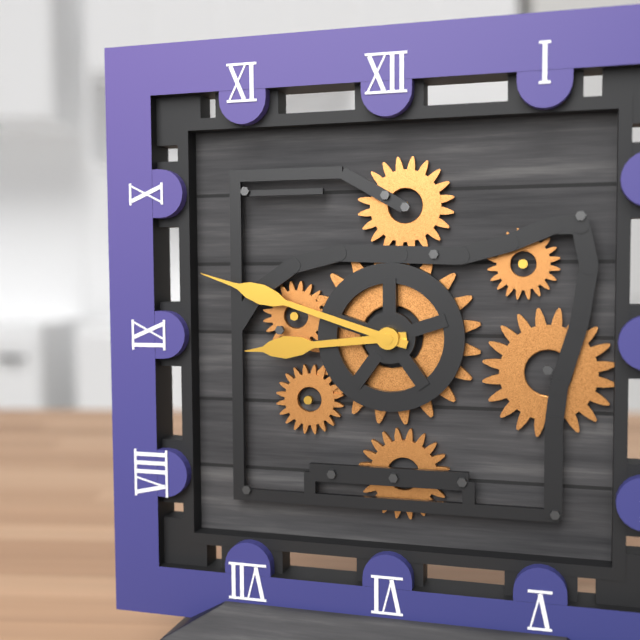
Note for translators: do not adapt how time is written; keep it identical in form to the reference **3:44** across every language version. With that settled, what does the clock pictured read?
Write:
**8:48**
